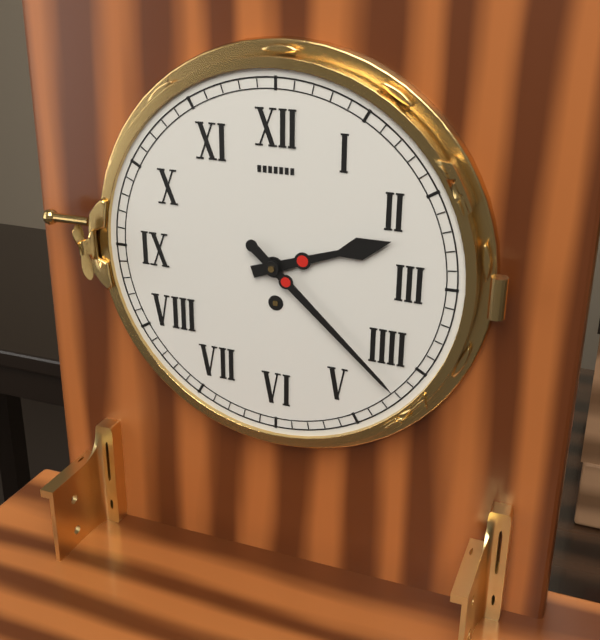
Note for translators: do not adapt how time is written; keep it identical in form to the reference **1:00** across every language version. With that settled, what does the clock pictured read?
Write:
**2:22**
